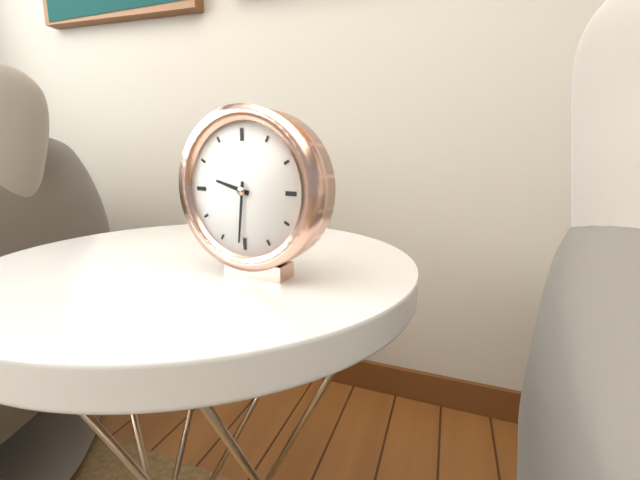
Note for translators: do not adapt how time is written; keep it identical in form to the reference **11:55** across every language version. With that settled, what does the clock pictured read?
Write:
**9:31**
